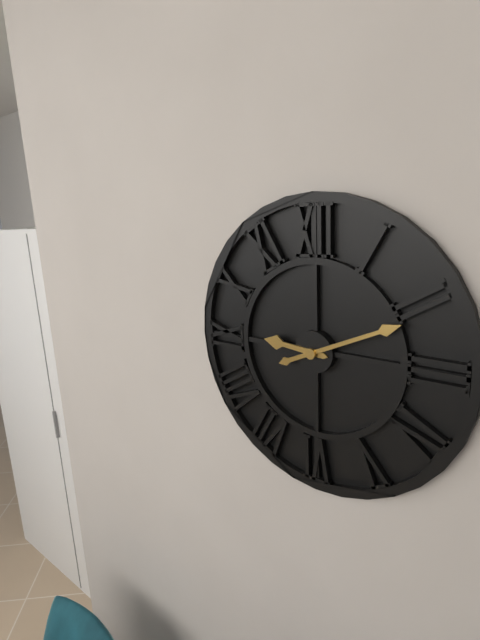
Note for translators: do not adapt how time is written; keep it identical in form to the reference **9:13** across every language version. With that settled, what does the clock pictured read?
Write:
**9:11**
